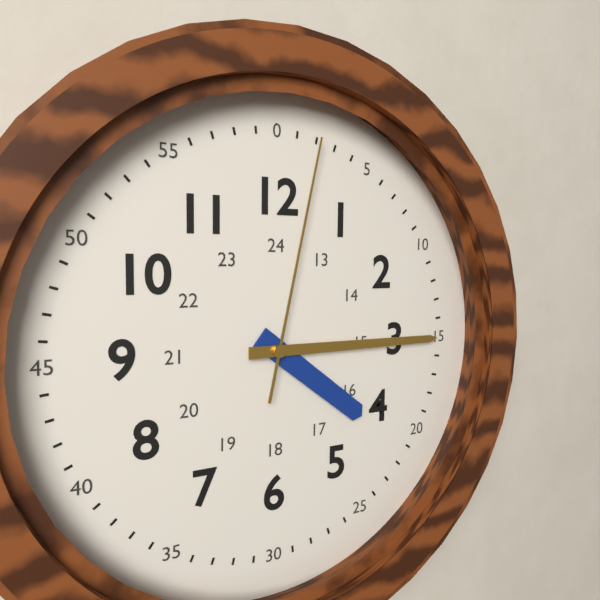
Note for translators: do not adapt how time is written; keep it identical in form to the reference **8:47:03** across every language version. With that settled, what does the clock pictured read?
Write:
**4:15:02**
